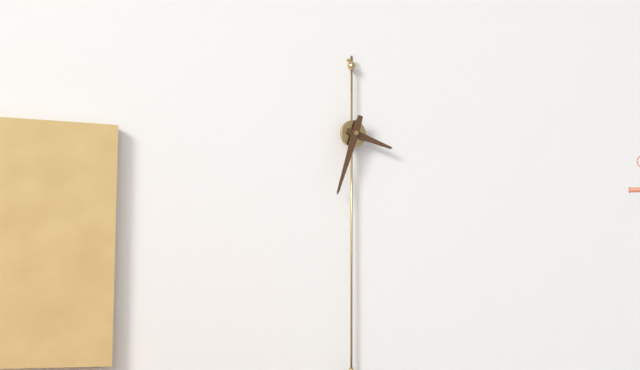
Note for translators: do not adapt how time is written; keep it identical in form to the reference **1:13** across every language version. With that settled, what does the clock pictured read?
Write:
**3:33**
